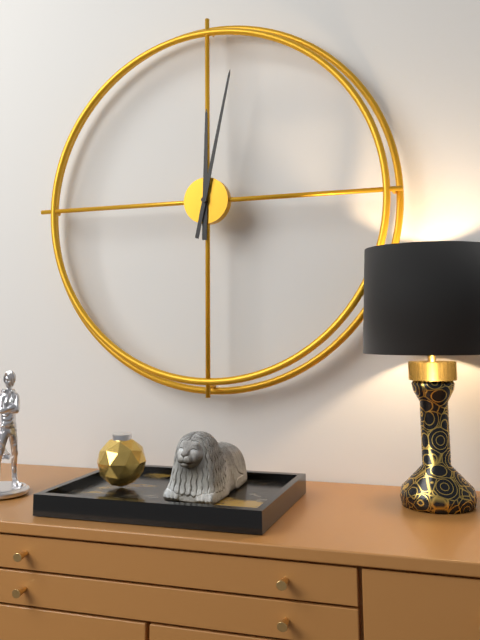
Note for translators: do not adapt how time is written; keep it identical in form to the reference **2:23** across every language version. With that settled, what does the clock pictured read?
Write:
**12:02**
